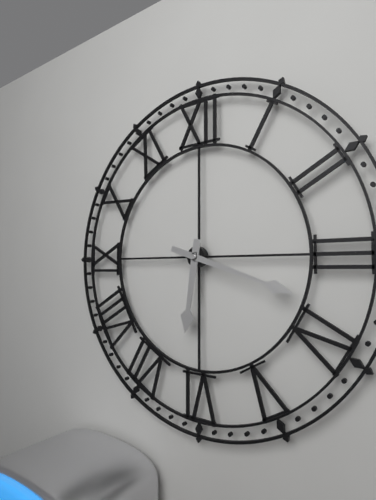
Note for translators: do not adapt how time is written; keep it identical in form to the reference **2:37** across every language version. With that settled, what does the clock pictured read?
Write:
**6:18**
